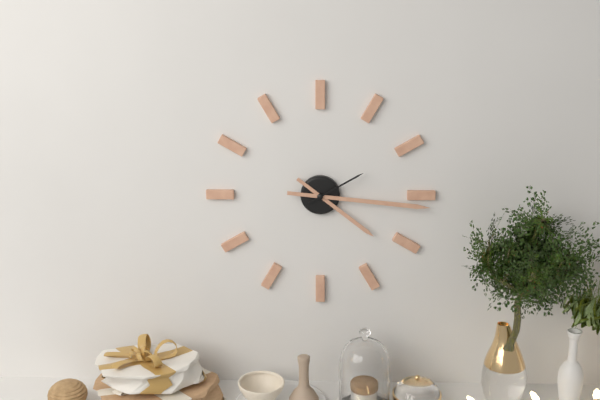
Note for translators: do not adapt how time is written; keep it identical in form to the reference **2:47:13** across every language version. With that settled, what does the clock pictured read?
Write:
**4:16:10**
